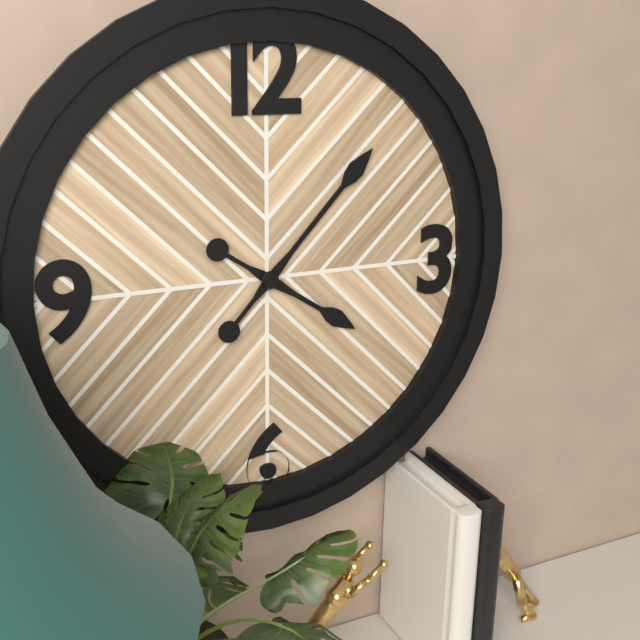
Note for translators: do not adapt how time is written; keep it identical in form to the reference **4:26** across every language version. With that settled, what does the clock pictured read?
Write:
**4:07**
